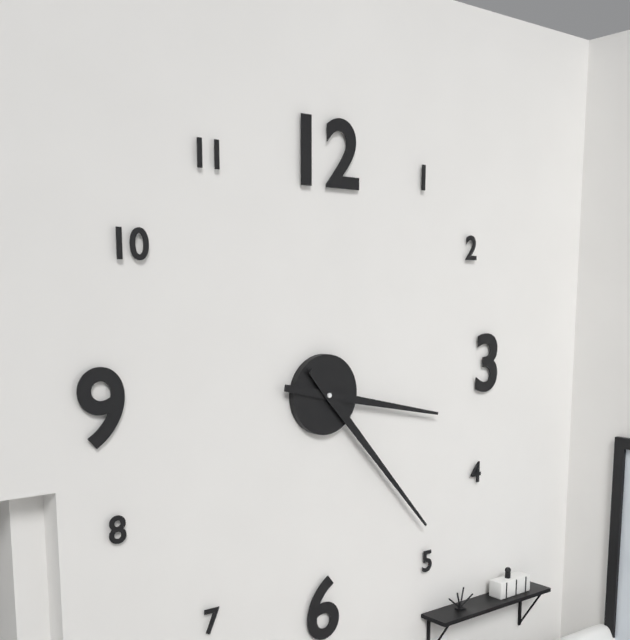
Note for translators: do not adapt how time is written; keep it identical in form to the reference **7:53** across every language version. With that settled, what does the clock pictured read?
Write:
**3:23**
